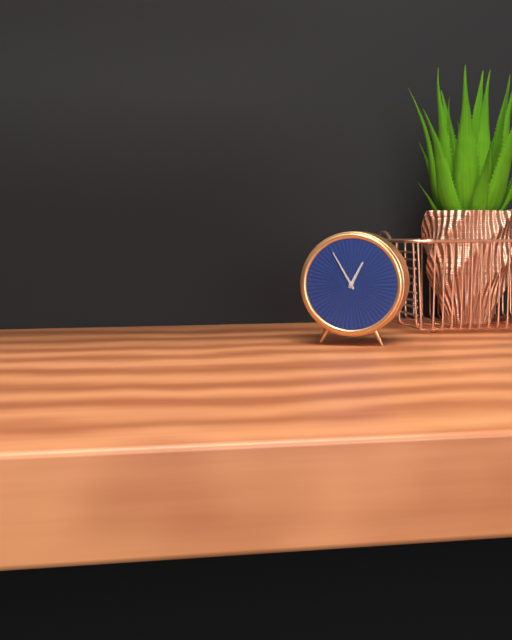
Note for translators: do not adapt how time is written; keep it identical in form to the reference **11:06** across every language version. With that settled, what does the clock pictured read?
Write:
**12:55**
